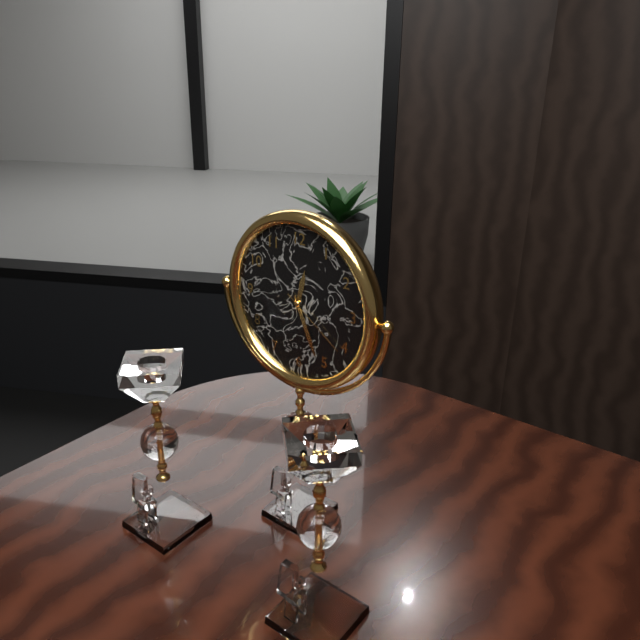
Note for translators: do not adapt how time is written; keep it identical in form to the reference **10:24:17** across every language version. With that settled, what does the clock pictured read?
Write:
**12:26:21**
